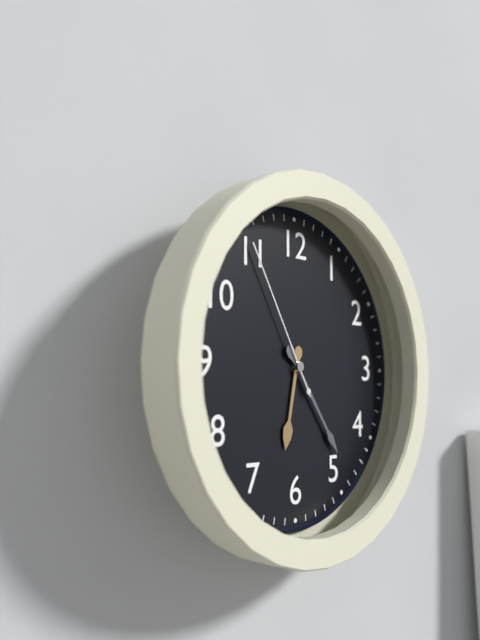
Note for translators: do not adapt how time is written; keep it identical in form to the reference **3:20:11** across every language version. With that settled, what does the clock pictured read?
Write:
**6:24:55**
